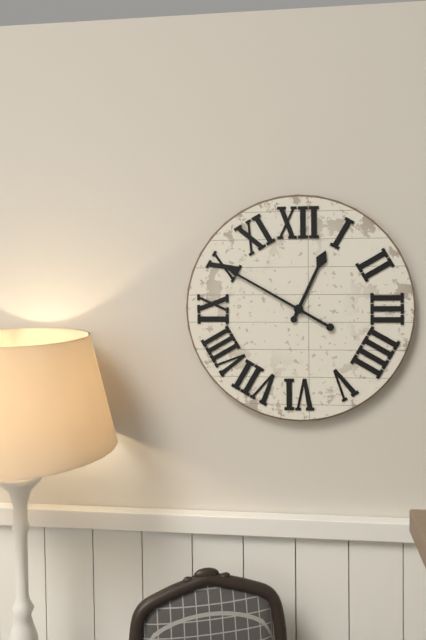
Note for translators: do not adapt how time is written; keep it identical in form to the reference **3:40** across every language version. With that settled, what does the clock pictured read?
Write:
**12:50**
